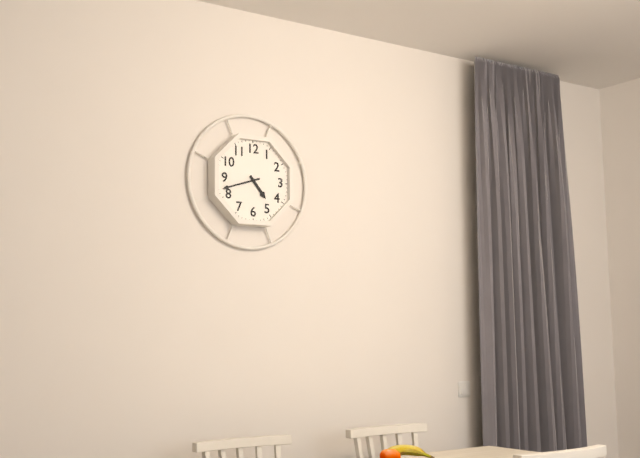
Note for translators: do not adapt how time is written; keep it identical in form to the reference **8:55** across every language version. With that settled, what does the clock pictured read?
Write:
**4:42**
